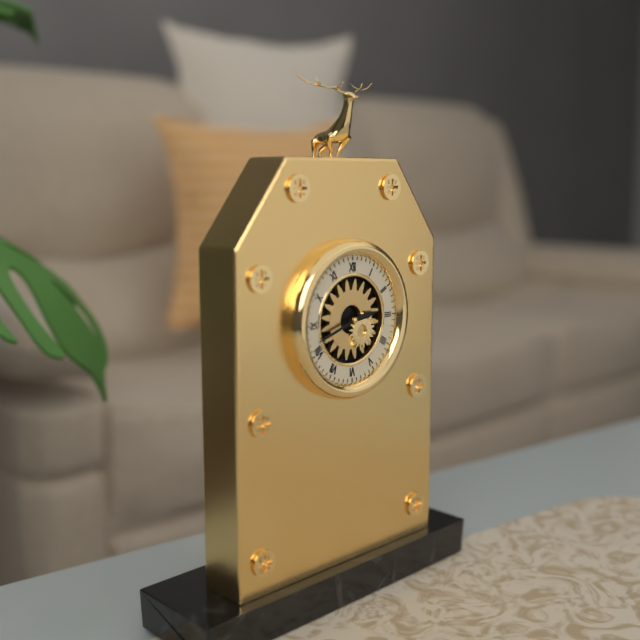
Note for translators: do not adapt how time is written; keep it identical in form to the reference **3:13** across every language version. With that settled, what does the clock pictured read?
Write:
**2:42**
